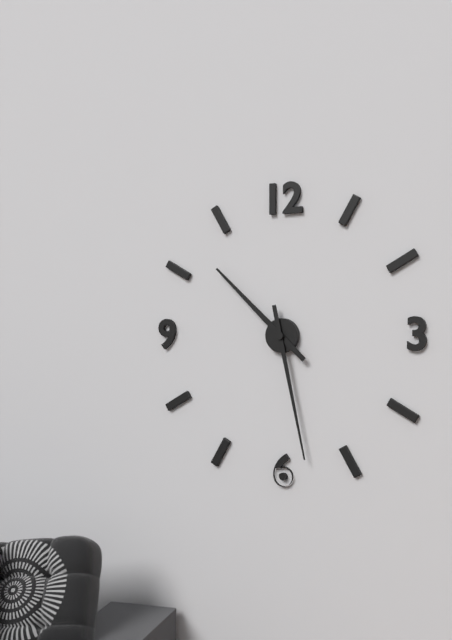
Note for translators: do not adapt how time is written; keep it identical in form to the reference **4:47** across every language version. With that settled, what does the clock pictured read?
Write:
**10:28**
